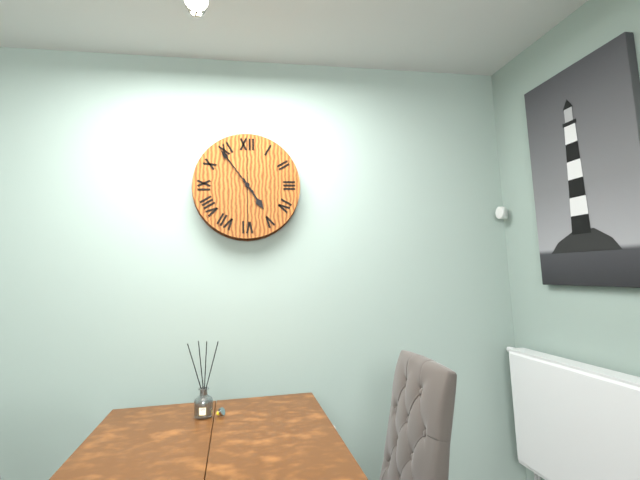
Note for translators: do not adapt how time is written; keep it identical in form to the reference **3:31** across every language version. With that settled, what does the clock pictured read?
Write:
**4:54**
